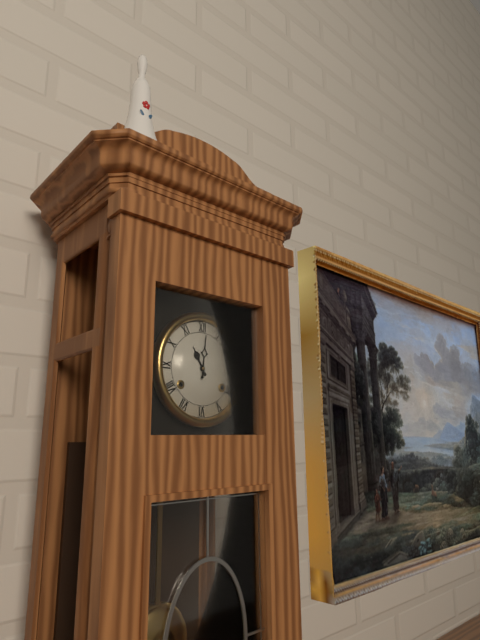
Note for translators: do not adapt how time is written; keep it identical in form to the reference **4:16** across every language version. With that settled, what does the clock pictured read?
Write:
**11:01**
